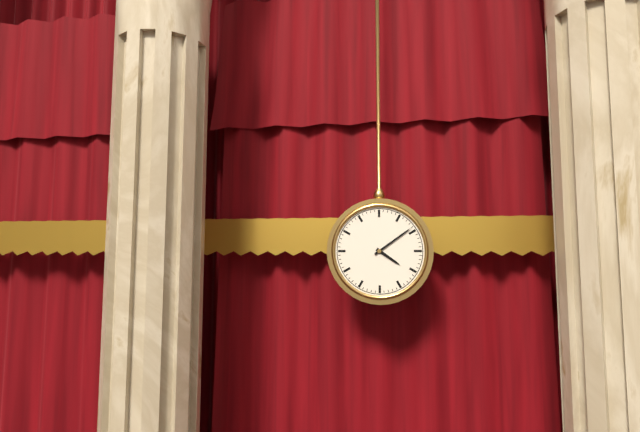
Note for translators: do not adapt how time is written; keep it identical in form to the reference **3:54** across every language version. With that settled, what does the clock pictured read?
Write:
**4:09**
